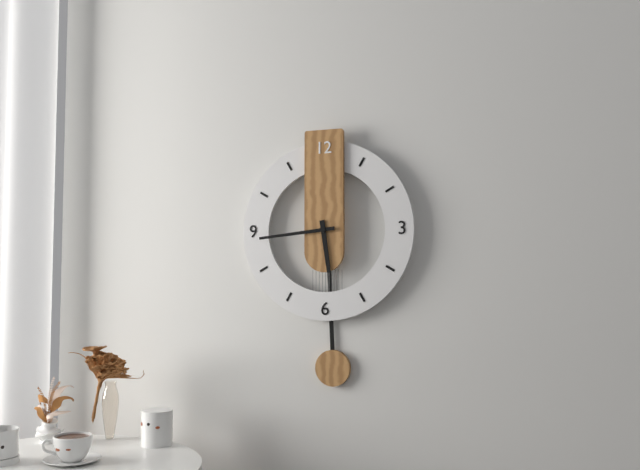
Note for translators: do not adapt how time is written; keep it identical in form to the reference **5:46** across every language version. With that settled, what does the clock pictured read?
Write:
**5:44**
